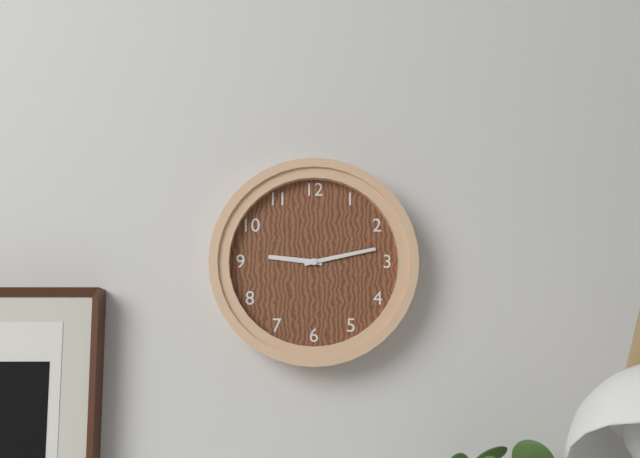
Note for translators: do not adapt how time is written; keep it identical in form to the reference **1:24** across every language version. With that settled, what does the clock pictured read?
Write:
**9:13**
